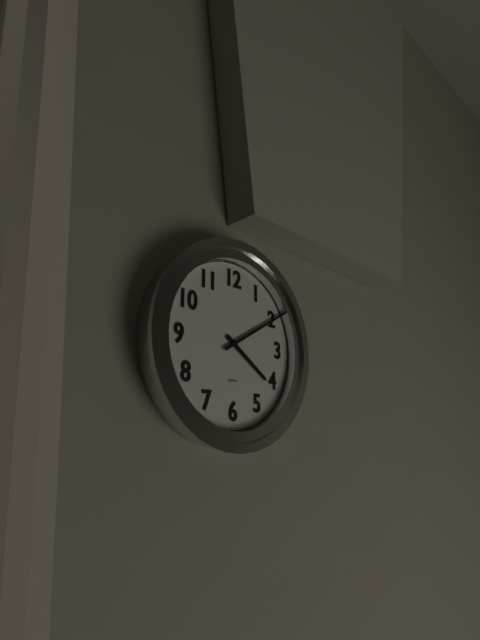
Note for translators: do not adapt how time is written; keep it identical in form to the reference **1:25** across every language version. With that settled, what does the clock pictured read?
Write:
**4:10**
